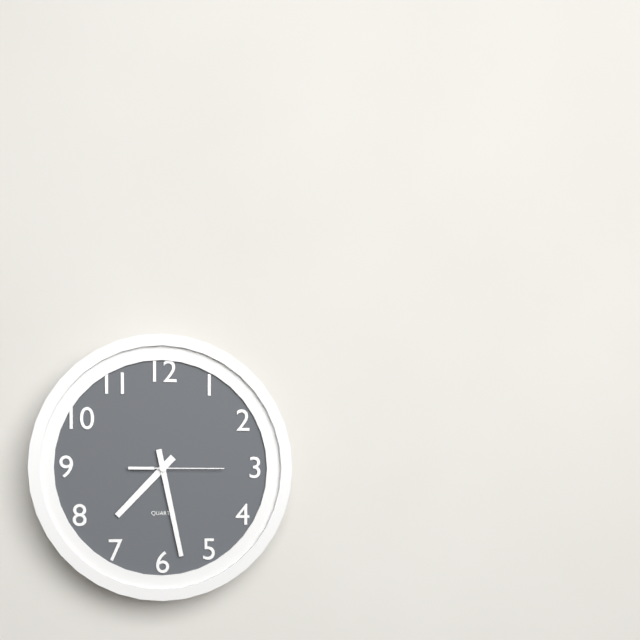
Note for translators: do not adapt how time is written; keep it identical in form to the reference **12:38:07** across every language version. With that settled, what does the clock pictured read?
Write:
**7:28:15**
